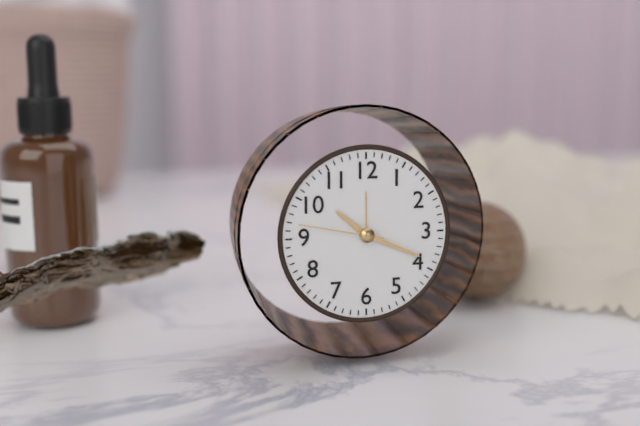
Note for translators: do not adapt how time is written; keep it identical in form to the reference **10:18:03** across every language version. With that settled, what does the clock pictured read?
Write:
**10:19:47**
